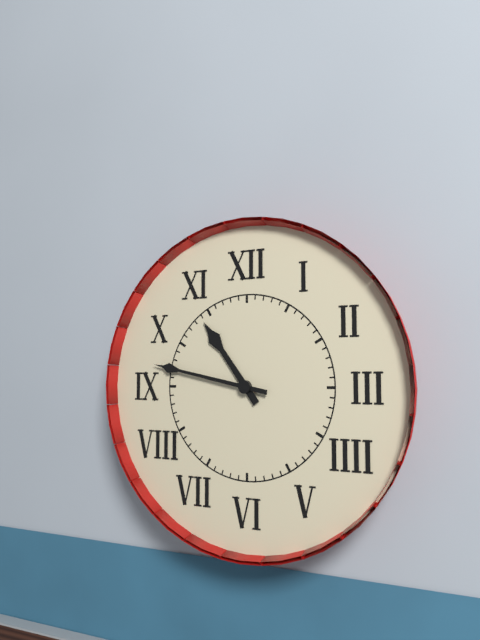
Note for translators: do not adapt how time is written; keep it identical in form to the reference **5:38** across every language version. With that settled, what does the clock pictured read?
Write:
**10:47**
